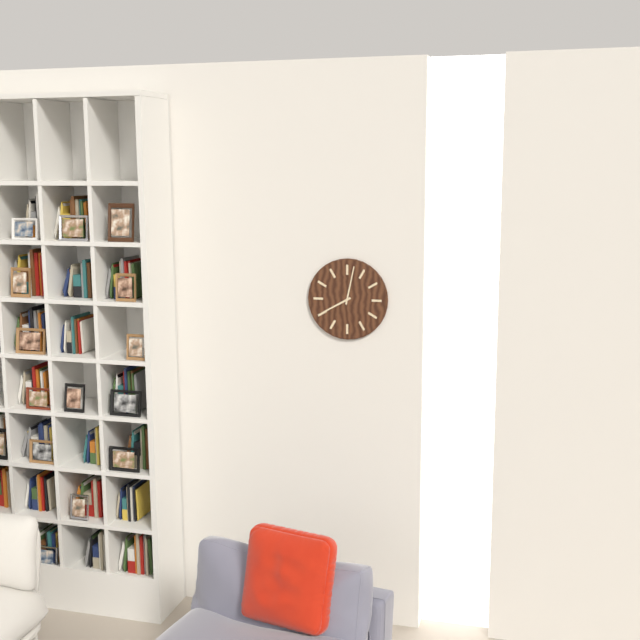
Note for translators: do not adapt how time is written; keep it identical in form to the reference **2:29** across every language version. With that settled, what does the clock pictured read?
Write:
**8:02**
